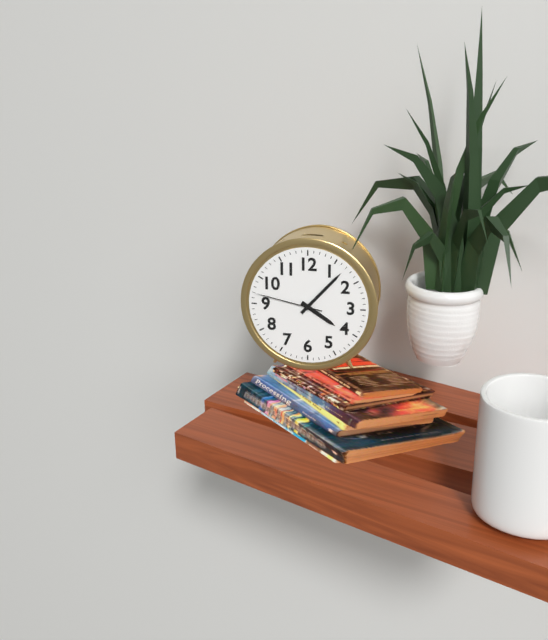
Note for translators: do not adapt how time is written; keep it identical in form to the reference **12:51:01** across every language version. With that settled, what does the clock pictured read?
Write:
**4:07:47**
